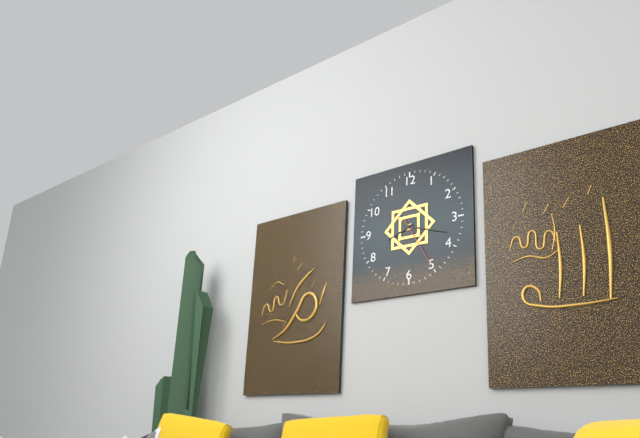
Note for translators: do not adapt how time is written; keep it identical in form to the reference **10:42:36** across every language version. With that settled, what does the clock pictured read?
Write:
**8:18:25**
